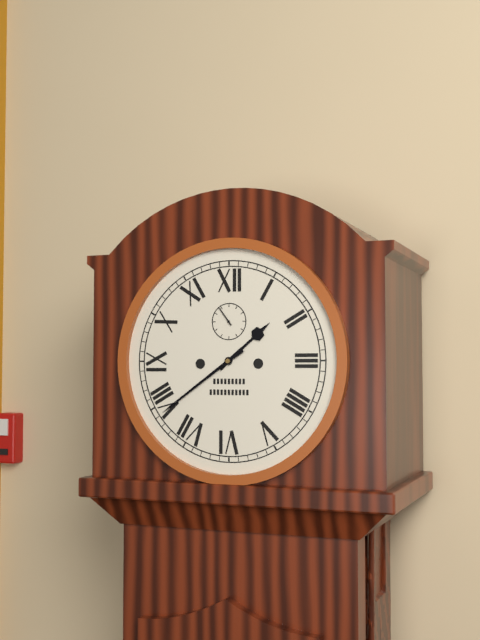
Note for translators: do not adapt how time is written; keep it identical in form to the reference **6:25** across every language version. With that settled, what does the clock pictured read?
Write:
**1:39**
